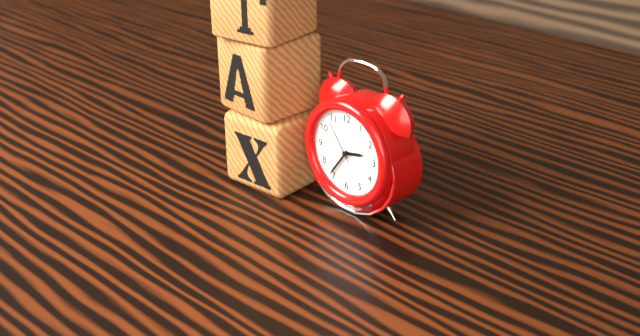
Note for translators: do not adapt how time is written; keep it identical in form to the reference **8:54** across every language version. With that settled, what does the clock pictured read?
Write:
**2:36**
